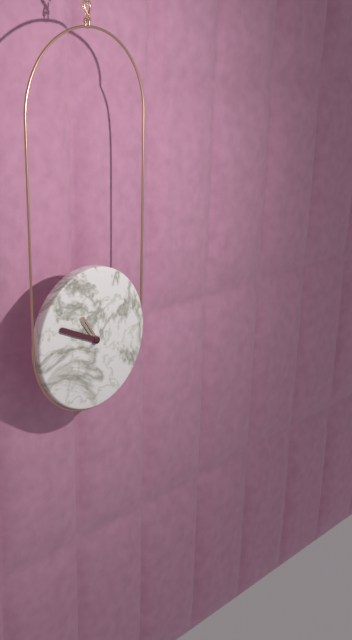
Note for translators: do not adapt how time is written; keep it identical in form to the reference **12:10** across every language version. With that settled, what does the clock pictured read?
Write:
**10:49**
